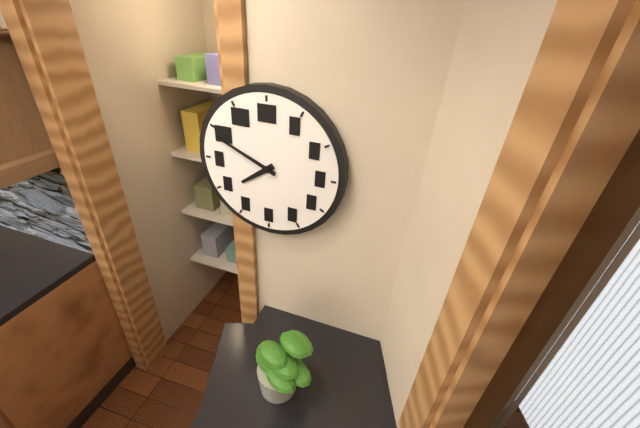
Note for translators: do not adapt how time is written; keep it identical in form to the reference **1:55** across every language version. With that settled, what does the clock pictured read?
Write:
**7:49**
